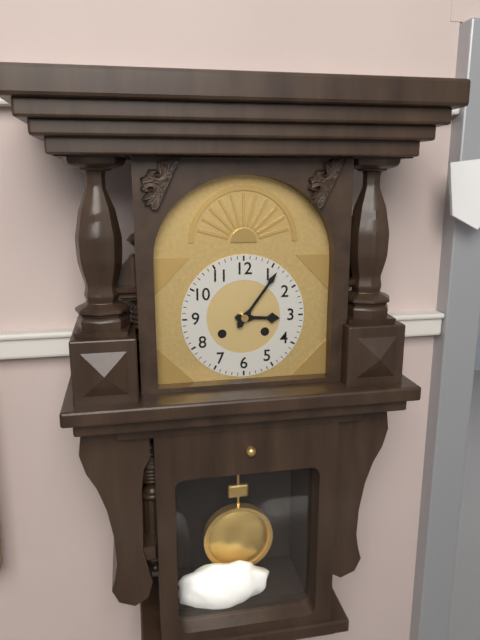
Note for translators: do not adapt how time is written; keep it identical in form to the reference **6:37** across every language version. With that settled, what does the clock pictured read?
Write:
**3:06**
